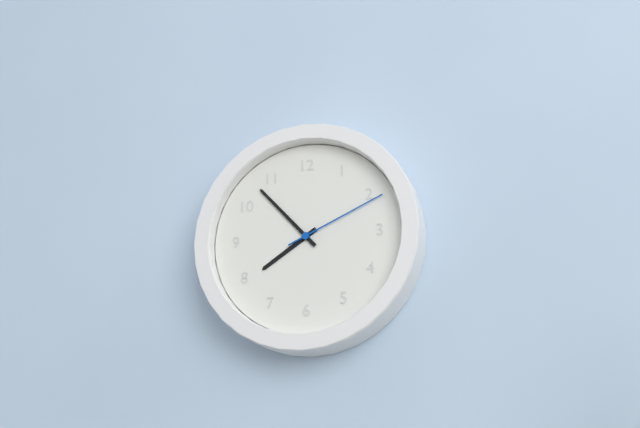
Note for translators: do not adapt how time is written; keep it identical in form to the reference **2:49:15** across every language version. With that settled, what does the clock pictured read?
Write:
**7:53:11**
